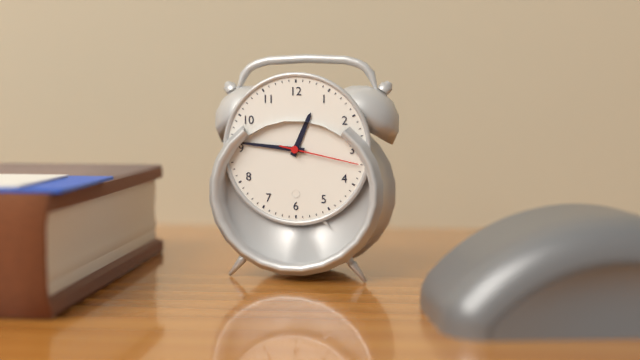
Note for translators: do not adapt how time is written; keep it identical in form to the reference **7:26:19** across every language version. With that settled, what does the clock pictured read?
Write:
**12:46:17**
